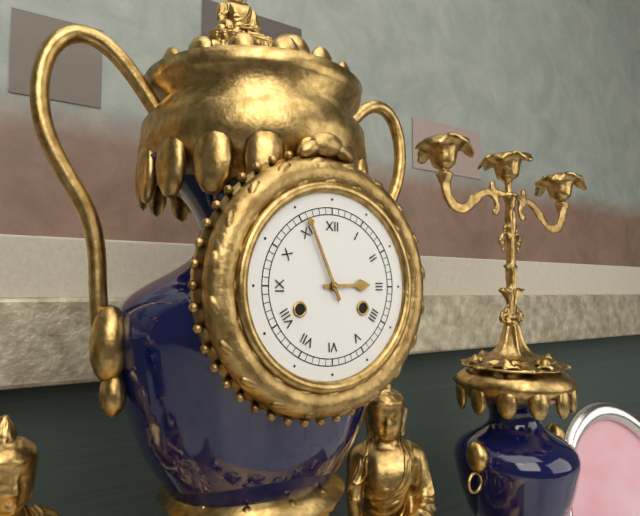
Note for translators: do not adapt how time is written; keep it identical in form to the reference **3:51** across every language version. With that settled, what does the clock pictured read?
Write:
**2:56**
